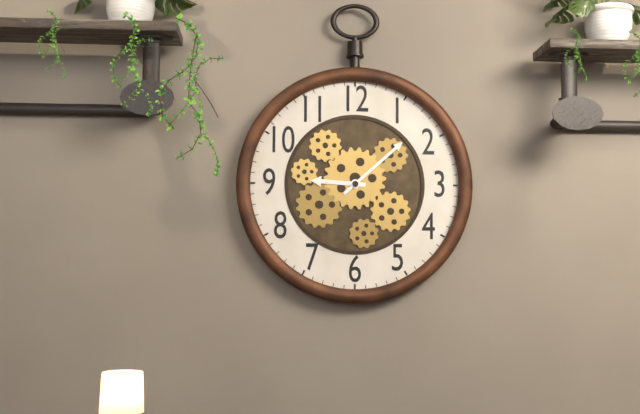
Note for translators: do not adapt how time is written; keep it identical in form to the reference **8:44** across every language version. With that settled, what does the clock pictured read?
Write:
**9:08**
